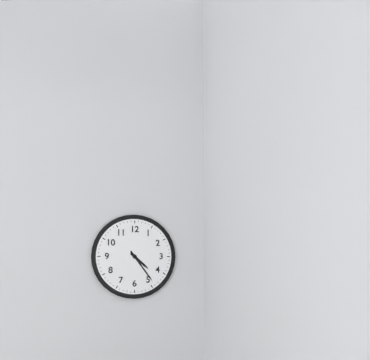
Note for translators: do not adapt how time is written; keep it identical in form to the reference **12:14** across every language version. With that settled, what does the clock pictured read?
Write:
**4:24**
